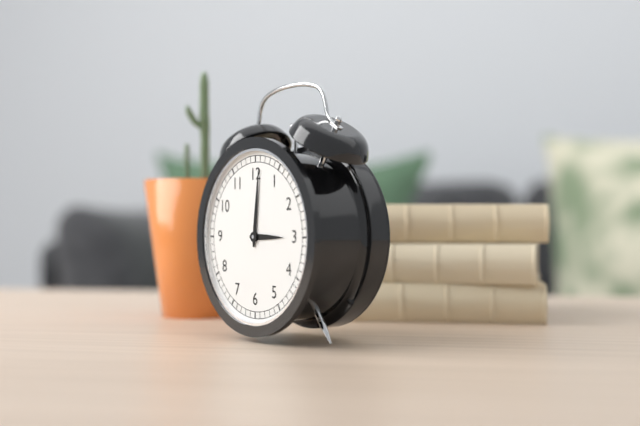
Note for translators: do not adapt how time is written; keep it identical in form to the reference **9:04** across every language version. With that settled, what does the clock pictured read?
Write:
**3:01**
